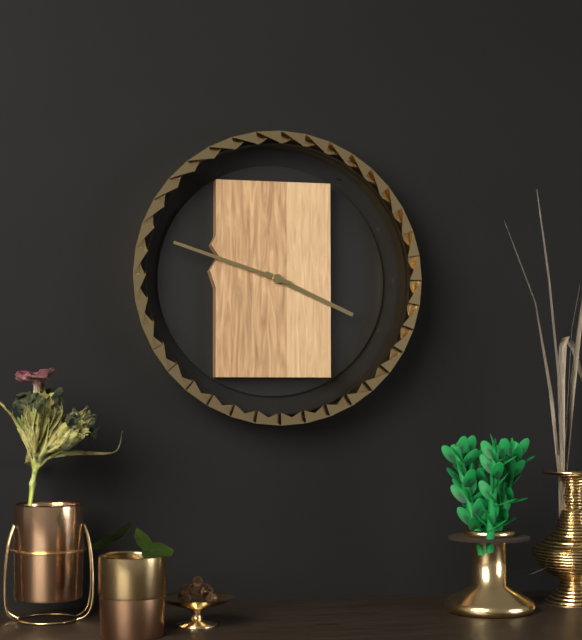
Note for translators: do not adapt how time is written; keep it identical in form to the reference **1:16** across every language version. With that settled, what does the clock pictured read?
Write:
**3:48**
